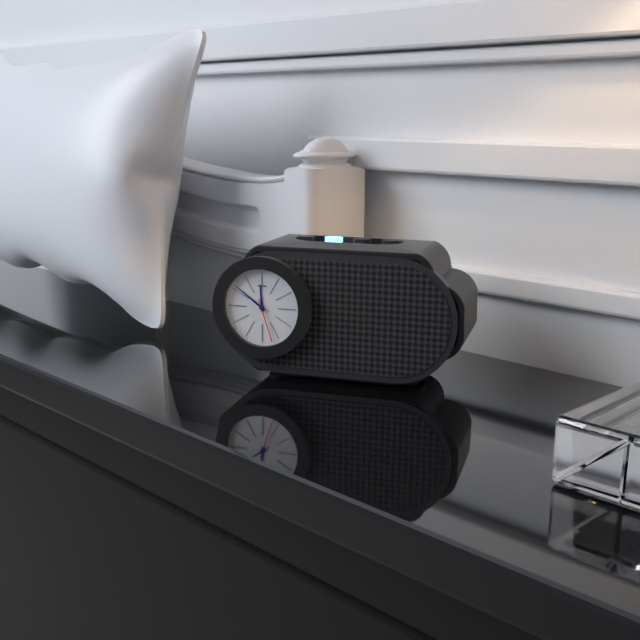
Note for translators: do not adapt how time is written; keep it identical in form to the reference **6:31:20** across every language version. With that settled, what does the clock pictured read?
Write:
**11:51:27**
